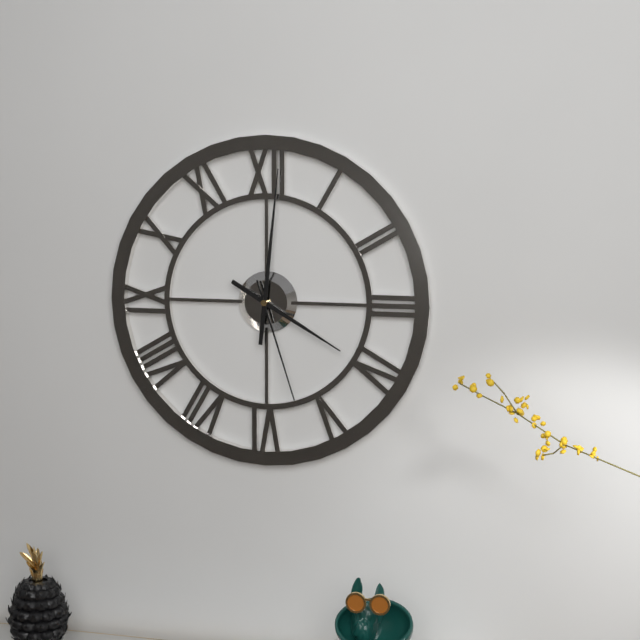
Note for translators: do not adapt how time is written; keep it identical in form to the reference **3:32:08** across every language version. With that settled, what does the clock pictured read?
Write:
**4:01:27**
